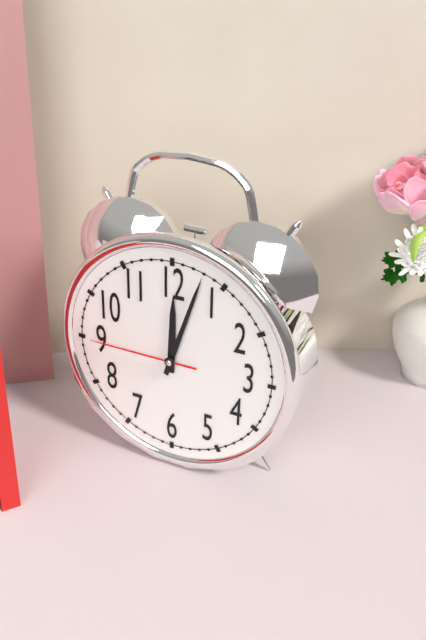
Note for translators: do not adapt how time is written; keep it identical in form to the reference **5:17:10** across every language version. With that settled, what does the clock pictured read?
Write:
**12:03:45**
